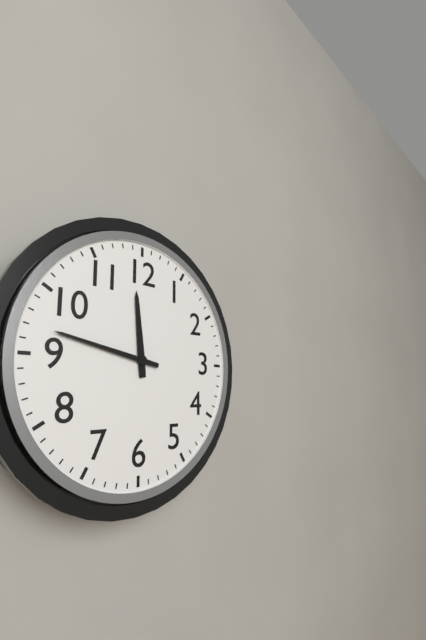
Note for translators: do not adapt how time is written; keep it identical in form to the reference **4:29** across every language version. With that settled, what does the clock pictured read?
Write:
**11:47**
